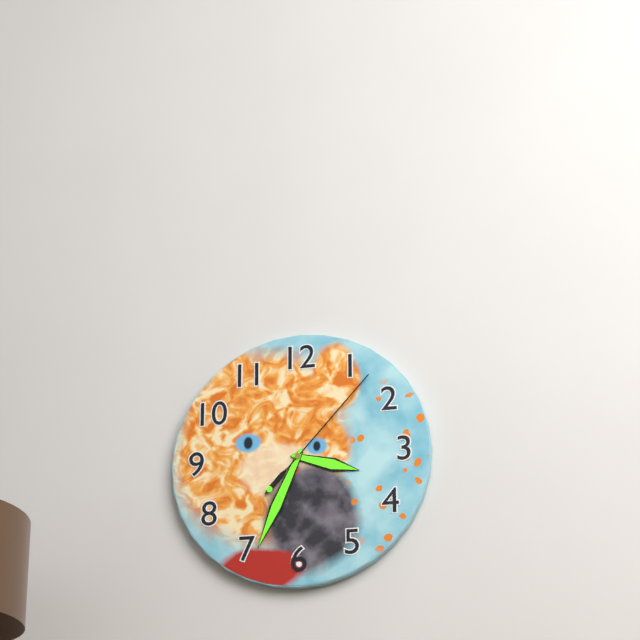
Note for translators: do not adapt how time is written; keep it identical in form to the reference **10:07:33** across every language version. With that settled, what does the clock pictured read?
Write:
**3:34:07**
